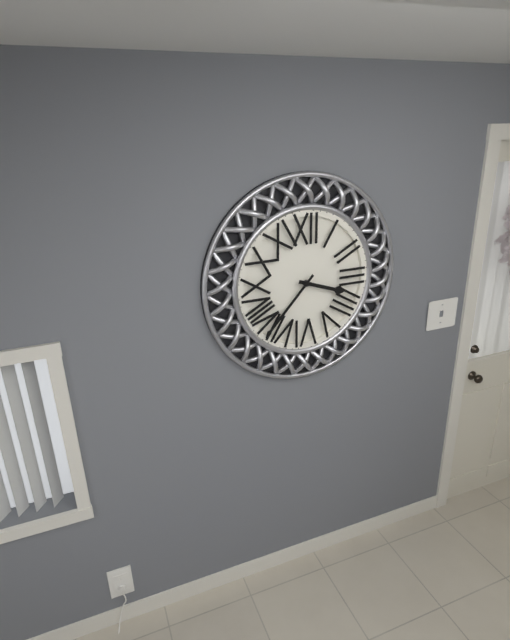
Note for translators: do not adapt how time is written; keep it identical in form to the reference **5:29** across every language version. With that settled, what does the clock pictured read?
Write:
**3:37**
